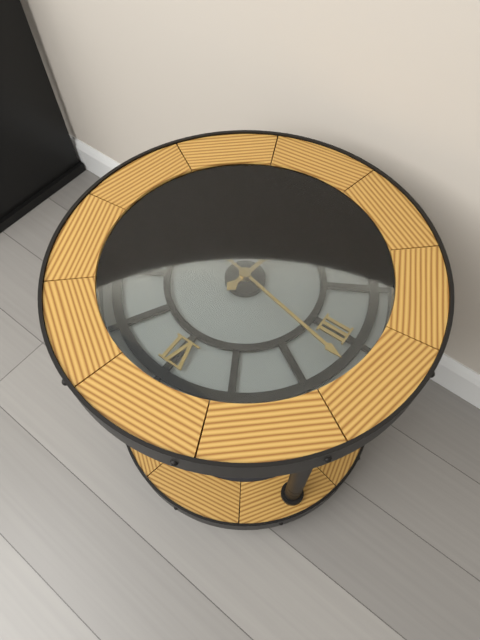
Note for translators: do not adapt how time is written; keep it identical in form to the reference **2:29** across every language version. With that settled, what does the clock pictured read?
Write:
**12:17**
